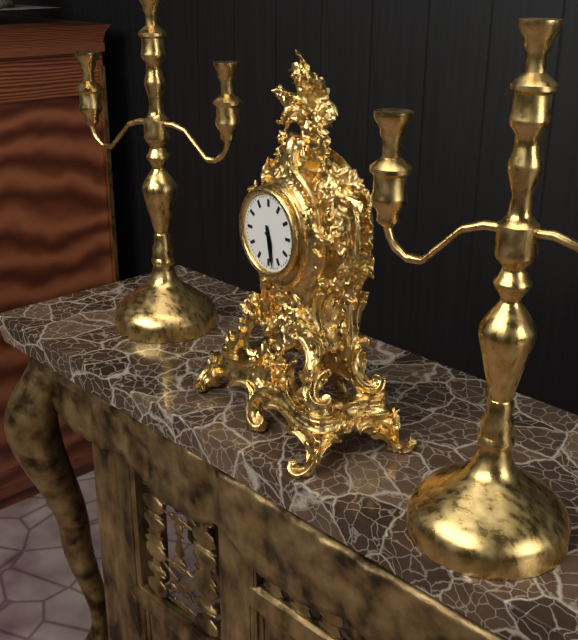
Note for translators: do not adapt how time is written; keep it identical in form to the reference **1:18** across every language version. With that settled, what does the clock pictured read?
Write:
**5:28**
